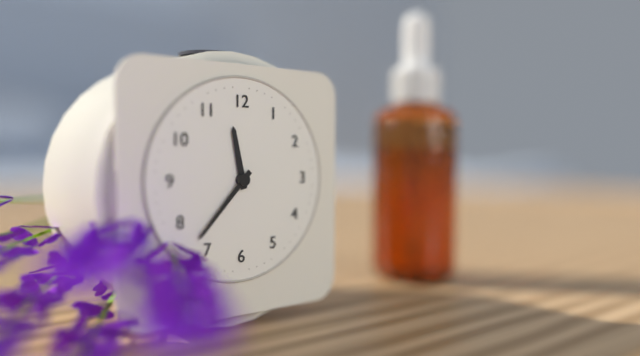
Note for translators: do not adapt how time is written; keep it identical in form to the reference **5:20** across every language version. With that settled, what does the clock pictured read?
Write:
**11:37**
